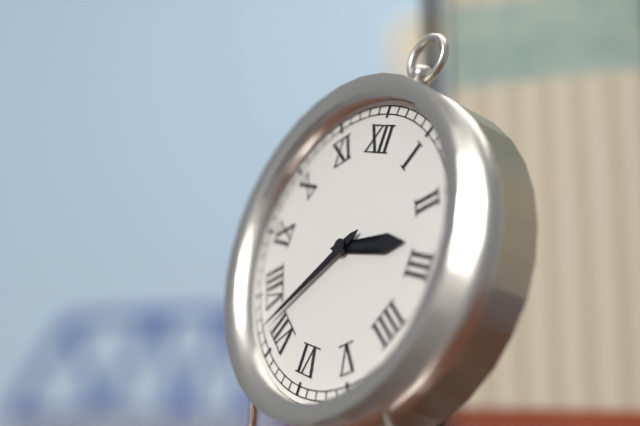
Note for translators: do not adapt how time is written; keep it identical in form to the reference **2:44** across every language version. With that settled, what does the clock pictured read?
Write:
**2:37**
